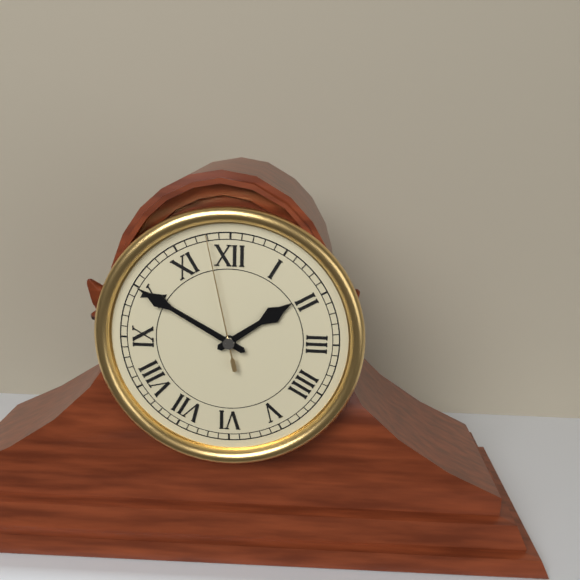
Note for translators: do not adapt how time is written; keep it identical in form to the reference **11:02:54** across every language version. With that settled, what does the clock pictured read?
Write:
**1:50:58**
